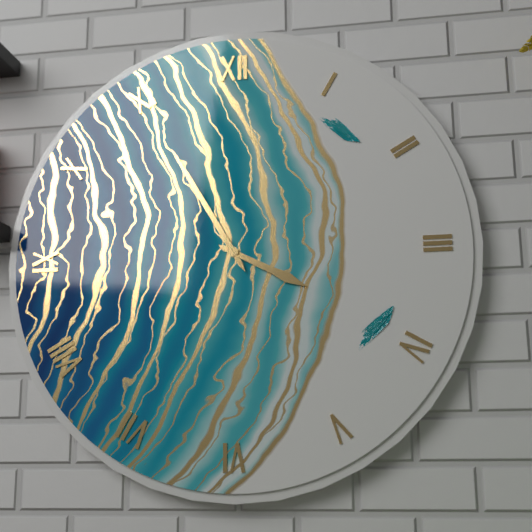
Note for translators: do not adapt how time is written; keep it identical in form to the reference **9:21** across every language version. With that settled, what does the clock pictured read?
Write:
**3:55**
